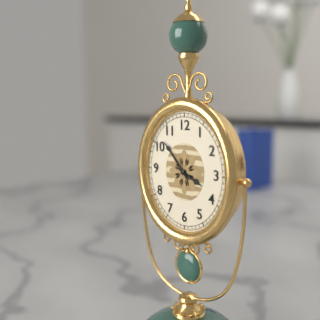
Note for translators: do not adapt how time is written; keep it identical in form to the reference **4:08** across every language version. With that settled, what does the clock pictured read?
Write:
**3:53**
